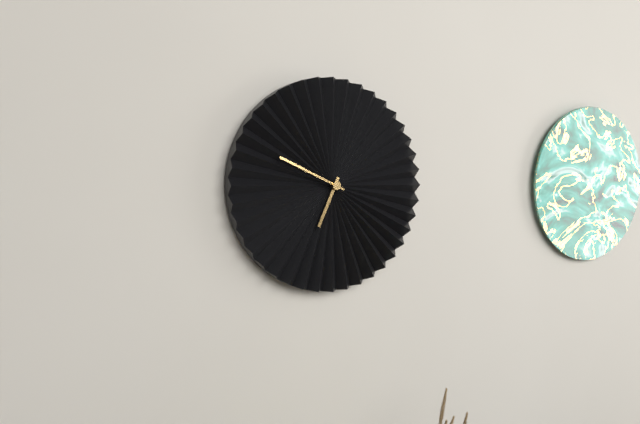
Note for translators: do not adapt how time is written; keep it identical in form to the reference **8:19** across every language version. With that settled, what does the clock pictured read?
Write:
**6:49**
